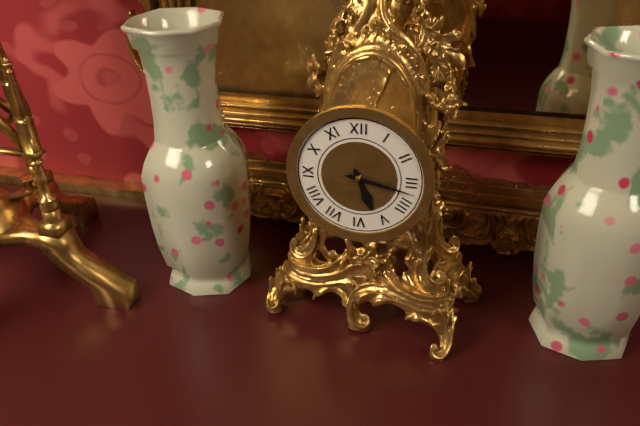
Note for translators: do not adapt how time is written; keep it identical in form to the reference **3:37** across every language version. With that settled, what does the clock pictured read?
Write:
**5:17**
